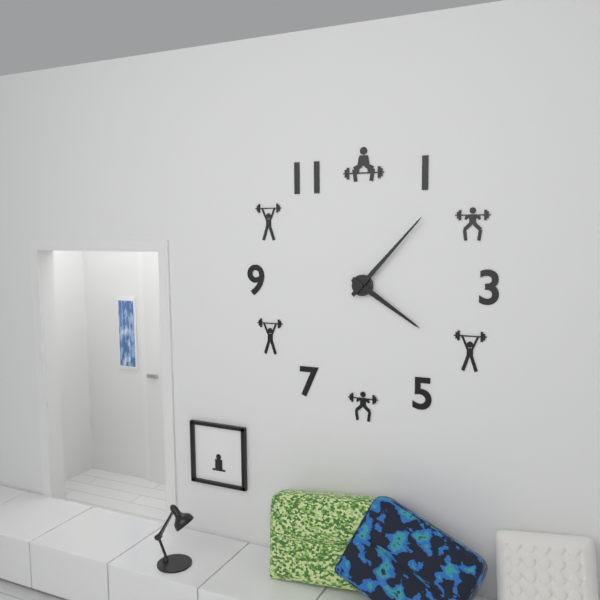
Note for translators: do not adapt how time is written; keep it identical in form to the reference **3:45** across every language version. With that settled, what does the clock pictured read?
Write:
**4:07**
